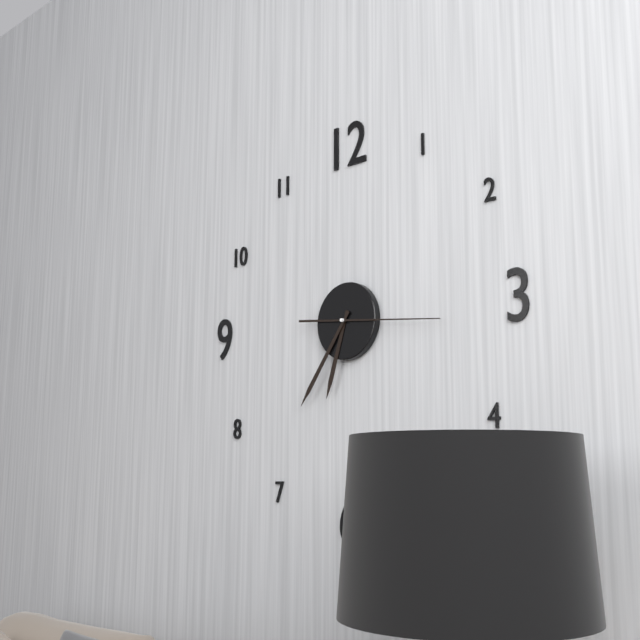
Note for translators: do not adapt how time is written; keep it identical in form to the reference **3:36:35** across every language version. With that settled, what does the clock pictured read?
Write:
**6:36:16**
